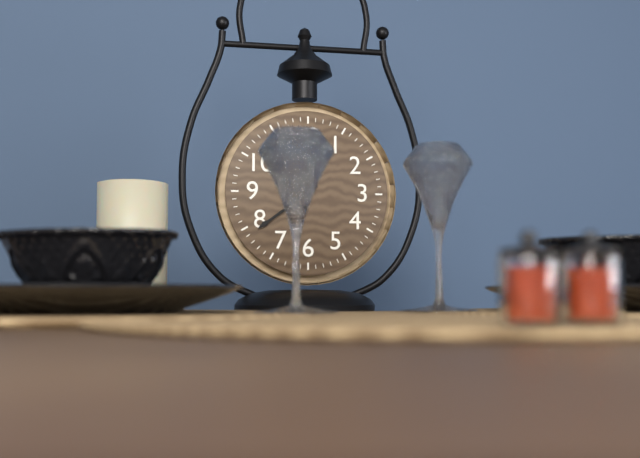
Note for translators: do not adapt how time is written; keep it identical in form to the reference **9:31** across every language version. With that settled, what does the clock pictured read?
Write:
**11:39**
